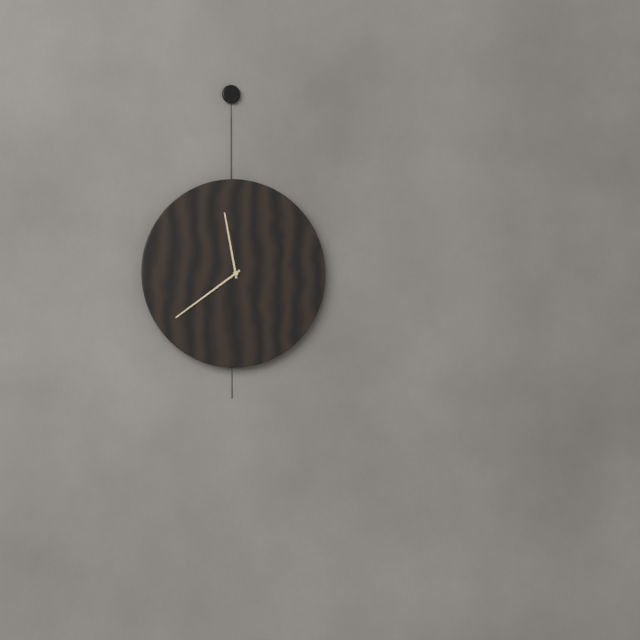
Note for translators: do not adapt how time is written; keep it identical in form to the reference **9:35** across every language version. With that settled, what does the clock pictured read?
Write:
**11:39**
